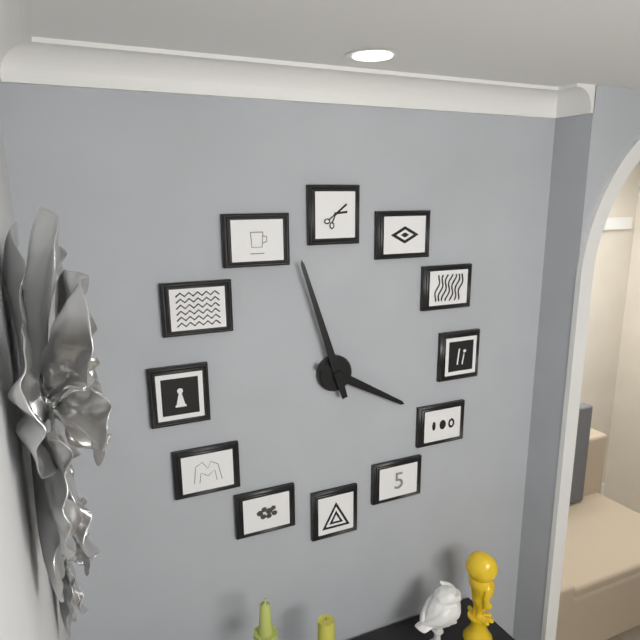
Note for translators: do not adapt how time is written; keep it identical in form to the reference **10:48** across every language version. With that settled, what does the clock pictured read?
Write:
**3:57**
